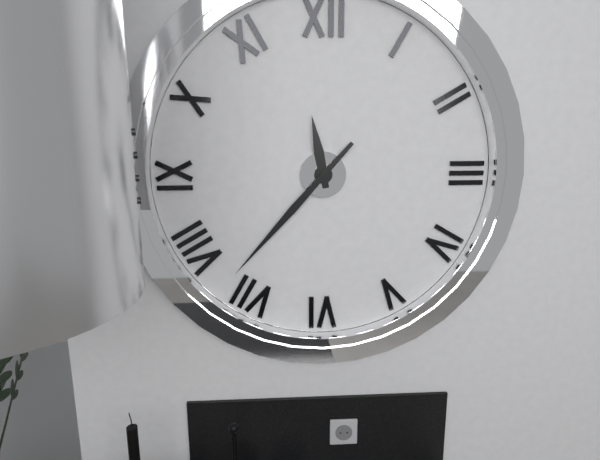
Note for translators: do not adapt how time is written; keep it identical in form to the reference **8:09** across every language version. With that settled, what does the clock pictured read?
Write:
**11:37**
